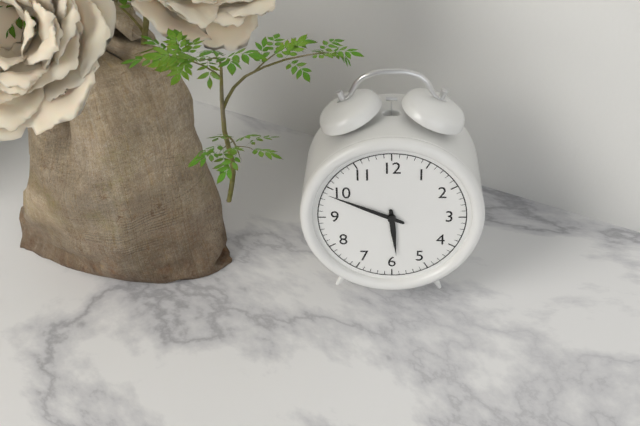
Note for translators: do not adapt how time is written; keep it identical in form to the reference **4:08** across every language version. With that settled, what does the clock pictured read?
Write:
**5:49**
